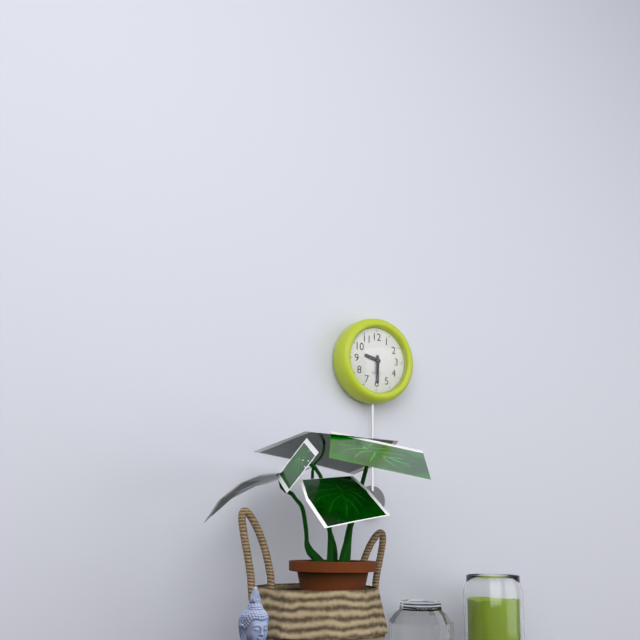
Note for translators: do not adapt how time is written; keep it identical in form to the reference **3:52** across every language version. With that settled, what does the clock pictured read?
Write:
**9:30**
